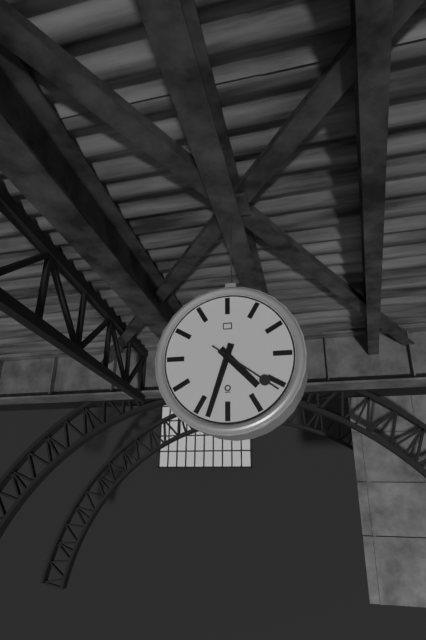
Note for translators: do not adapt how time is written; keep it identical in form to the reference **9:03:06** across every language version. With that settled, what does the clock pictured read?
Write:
**4:33:21**
